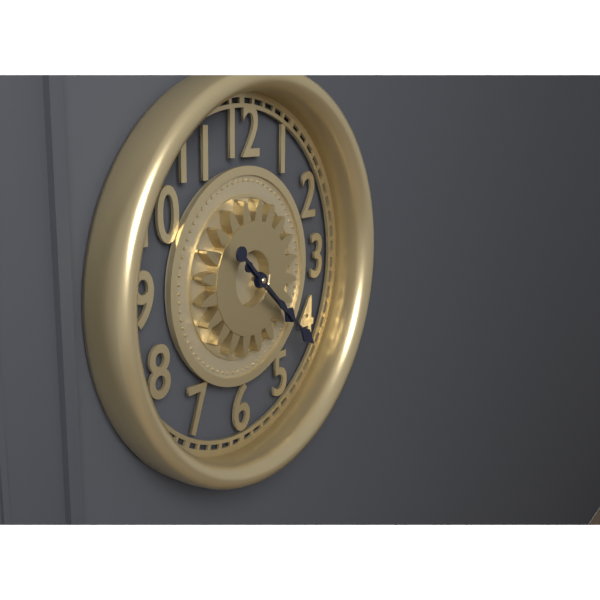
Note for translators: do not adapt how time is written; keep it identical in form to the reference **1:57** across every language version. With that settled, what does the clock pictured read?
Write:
**4:22**
